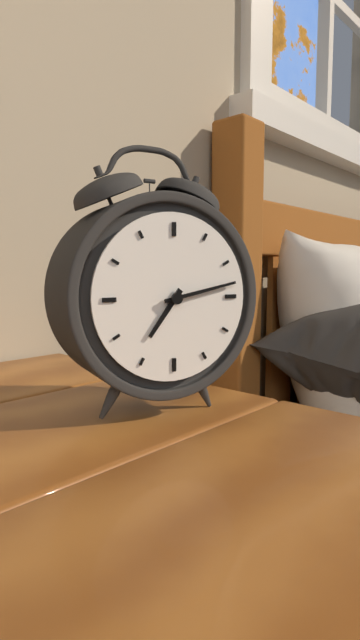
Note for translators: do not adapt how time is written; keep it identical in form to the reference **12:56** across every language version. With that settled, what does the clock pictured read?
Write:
**7:13**
